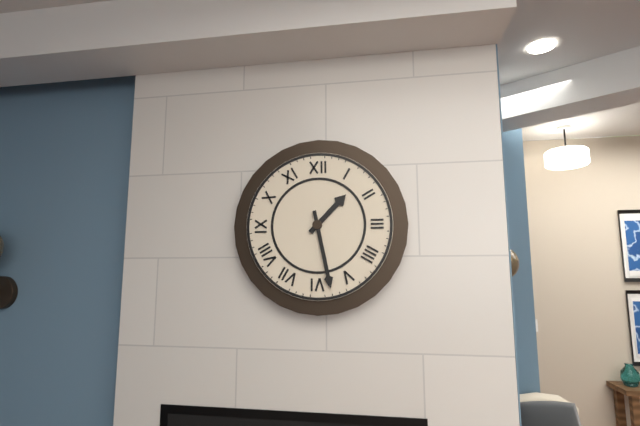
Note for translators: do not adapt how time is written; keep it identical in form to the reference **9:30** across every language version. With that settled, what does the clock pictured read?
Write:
**1:28**
